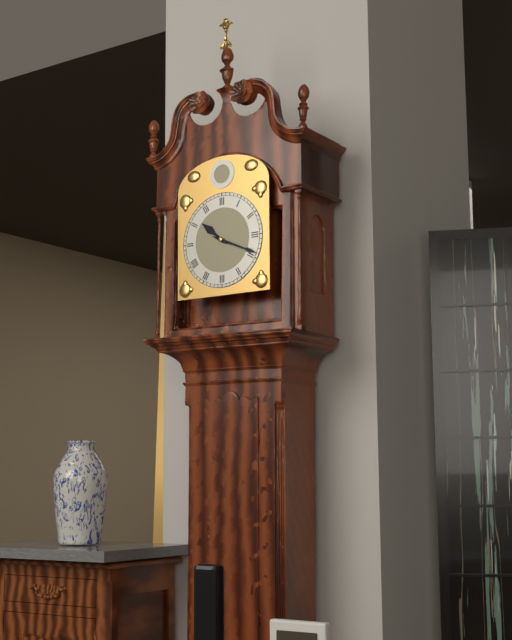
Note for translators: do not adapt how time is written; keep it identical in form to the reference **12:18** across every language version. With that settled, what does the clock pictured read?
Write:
**10:19**
